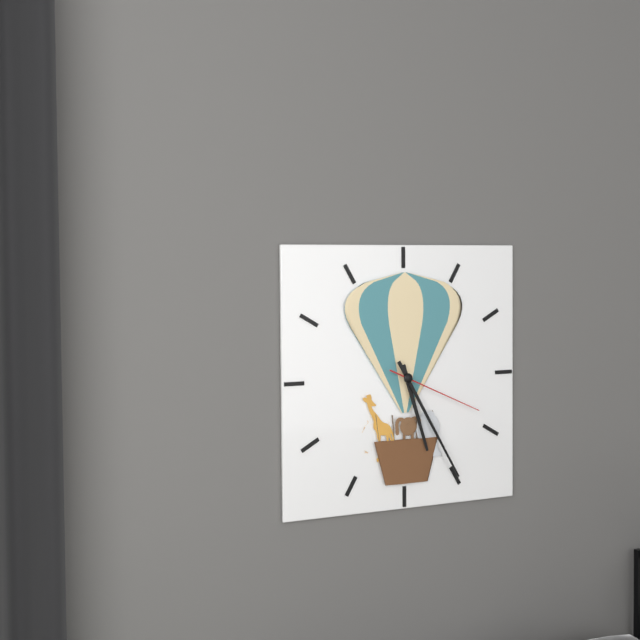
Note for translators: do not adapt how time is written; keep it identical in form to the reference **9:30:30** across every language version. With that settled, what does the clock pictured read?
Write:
**5:25:19**
